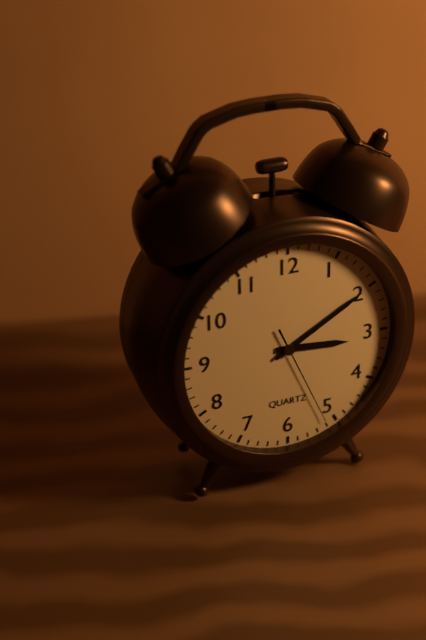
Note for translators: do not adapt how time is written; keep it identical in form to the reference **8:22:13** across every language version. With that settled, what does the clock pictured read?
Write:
**3:10:26**
